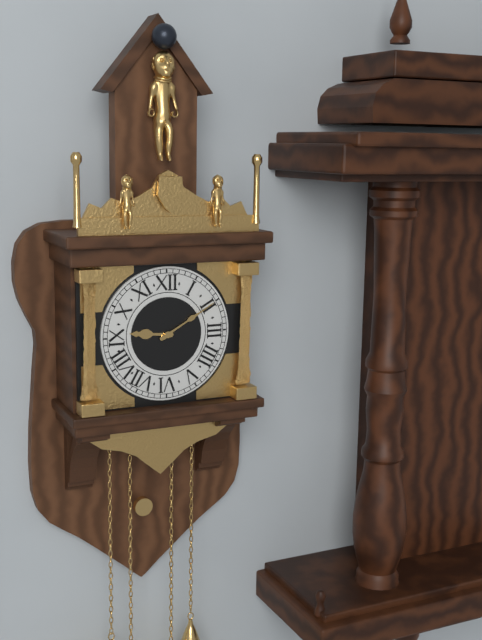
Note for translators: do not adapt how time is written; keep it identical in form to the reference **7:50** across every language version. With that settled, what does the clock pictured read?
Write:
**9:10**
